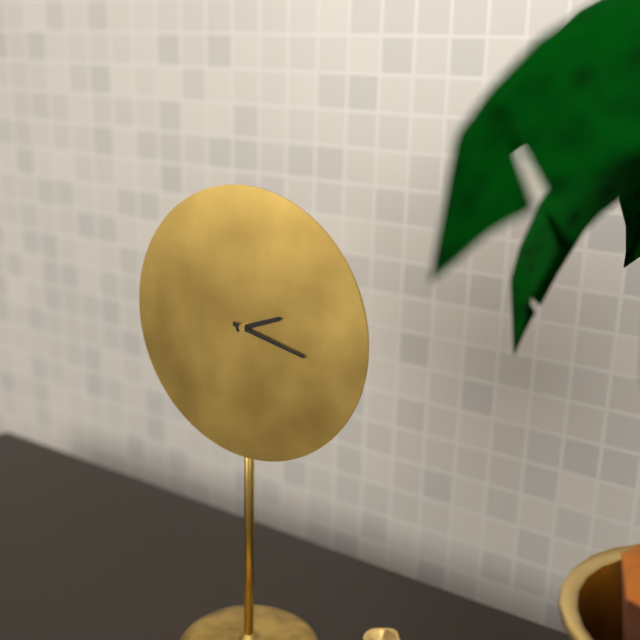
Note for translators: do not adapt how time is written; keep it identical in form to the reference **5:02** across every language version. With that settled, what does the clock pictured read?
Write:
**2:17**
